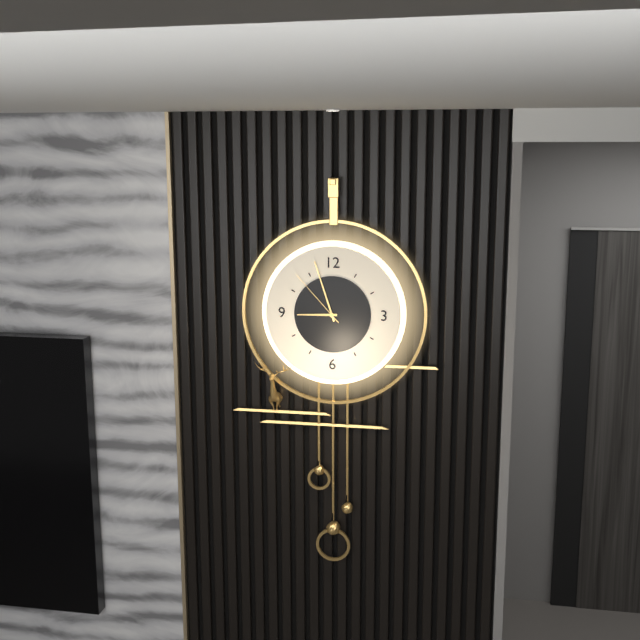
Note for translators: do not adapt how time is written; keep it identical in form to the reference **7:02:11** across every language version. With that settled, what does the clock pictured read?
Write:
**8:57:53**
